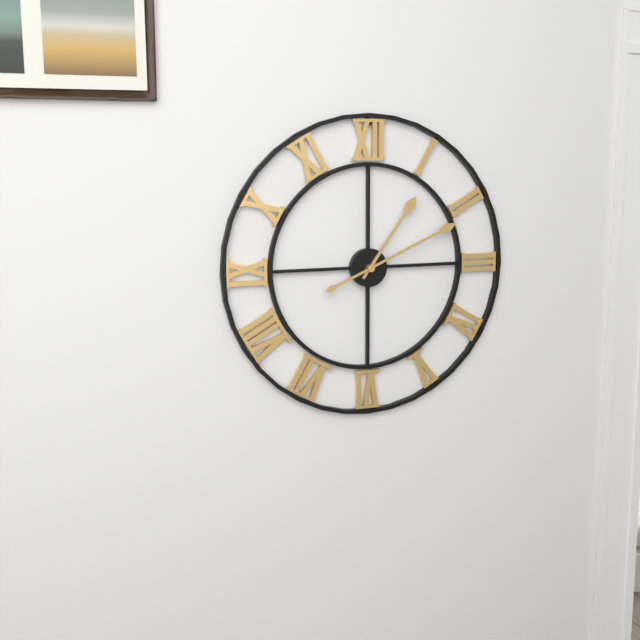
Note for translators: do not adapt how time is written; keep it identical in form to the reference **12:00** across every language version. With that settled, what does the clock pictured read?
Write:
**1:11**
